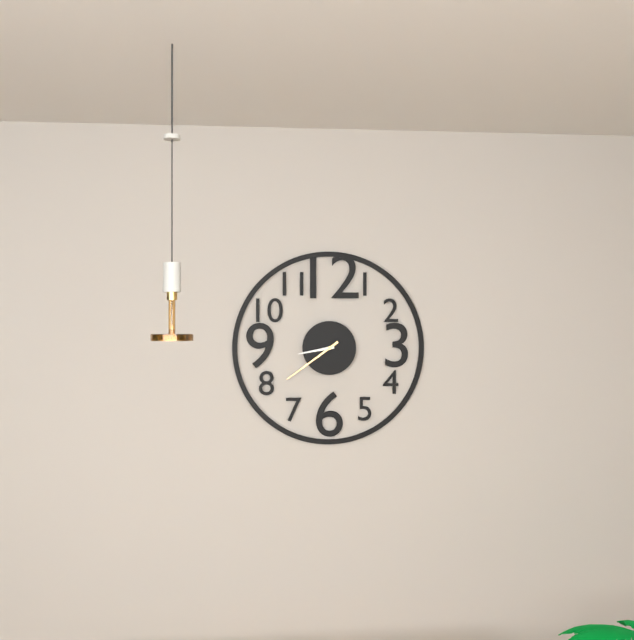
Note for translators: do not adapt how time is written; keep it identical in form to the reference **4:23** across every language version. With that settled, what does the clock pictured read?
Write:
**8:39**
